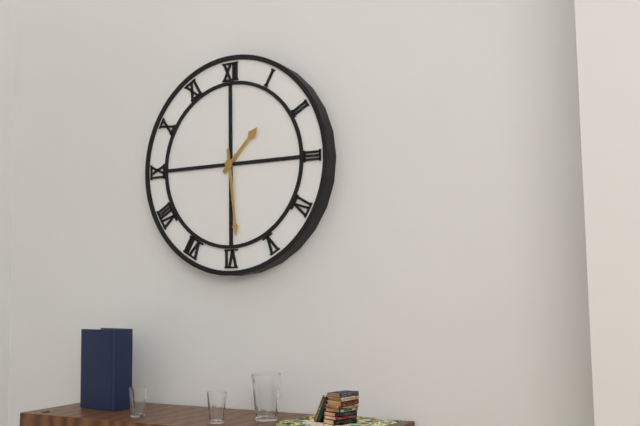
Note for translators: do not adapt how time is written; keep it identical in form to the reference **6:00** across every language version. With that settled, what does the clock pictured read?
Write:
**1:29**
